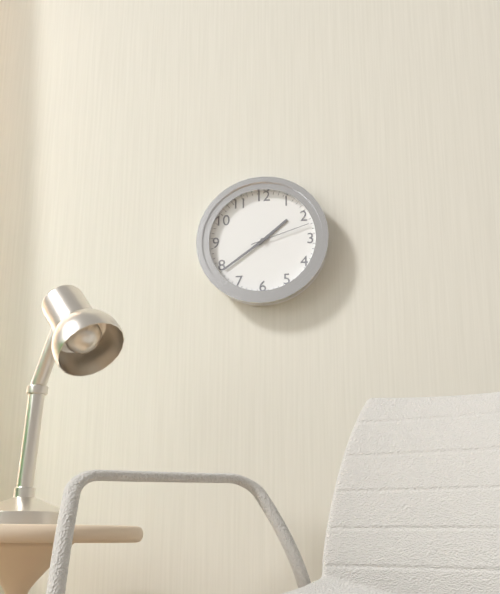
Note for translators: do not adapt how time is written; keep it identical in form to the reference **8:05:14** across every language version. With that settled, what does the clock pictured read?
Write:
**1:39:12**
